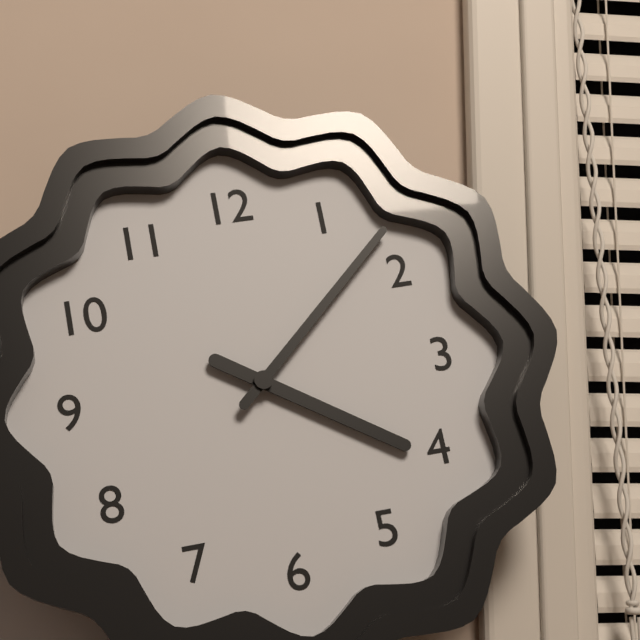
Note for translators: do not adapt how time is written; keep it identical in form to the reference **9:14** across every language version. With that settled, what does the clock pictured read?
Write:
**4:08**
